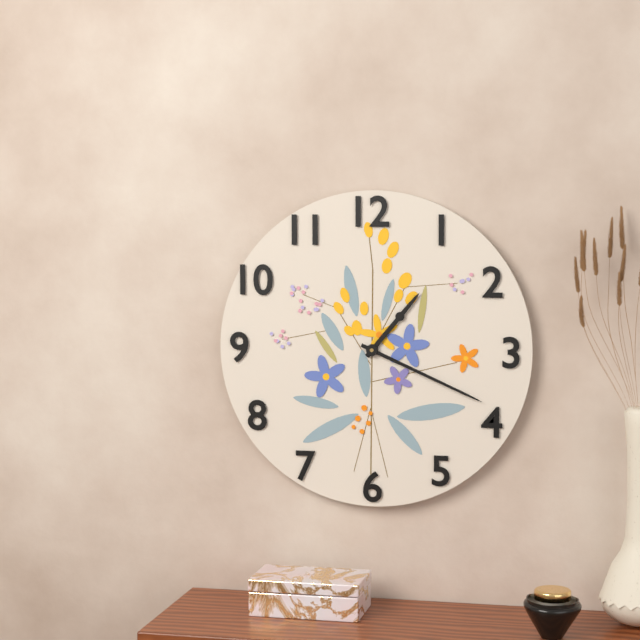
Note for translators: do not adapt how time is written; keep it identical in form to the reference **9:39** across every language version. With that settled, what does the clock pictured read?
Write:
**1:19**
